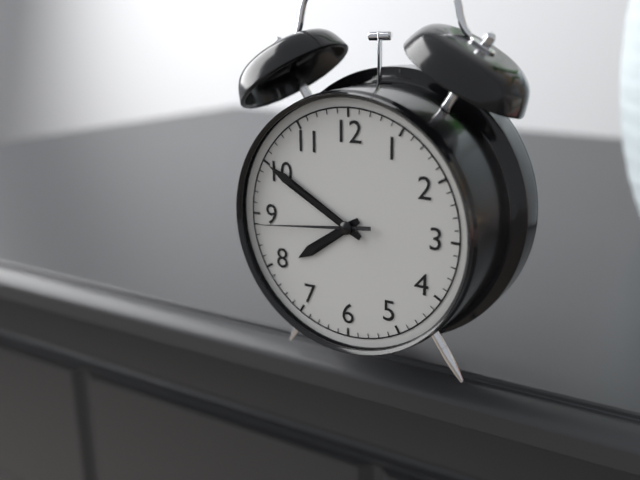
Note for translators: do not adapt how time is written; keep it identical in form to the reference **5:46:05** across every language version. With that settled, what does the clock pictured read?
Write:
**7:50:44**
